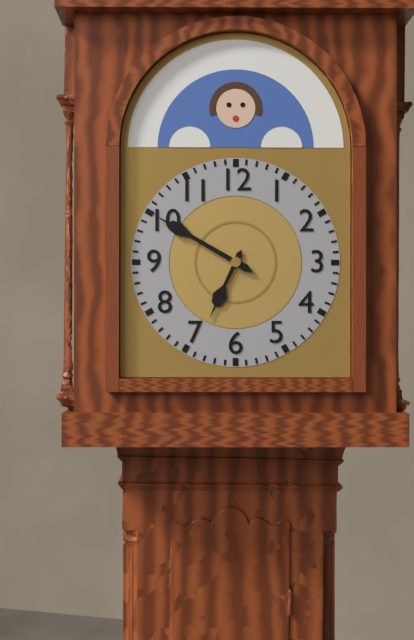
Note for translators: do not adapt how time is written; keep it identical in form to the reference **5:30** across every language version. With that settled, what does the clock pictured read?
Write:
**6:50**
